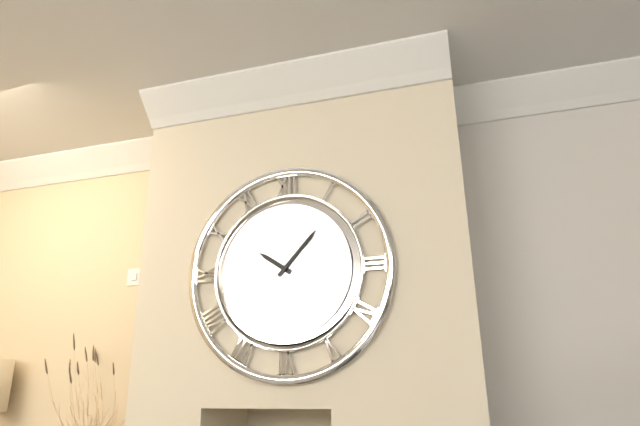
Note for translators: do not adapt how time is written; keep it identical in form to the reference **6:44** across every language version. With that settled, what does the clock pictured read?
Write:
**10:07**
